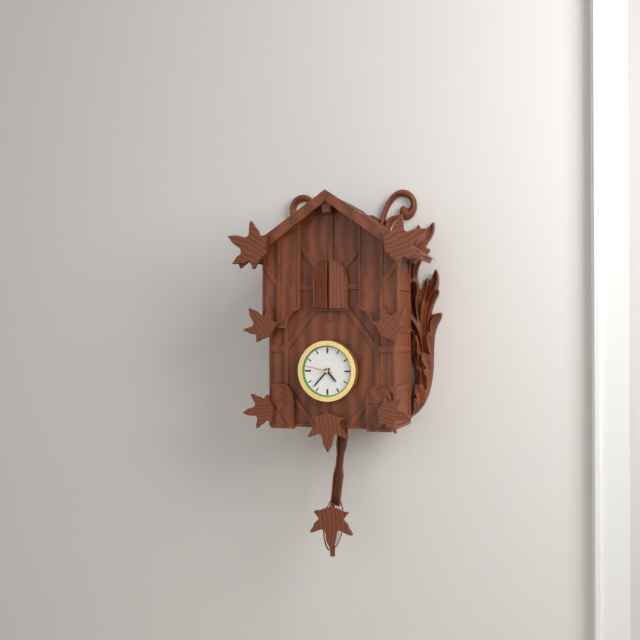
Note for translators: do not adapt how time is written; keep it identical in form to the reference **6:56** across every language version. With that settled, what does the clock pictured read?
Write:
**4:37**
